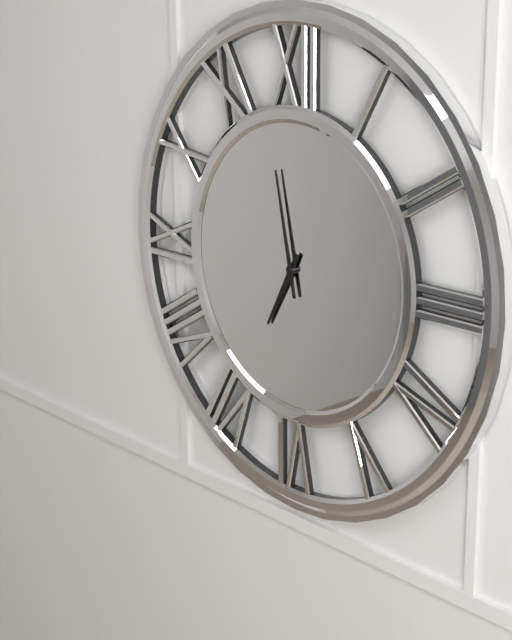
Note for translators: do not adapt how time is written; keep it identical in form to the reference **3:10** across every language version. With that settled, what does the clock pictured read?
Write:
**6:58**
